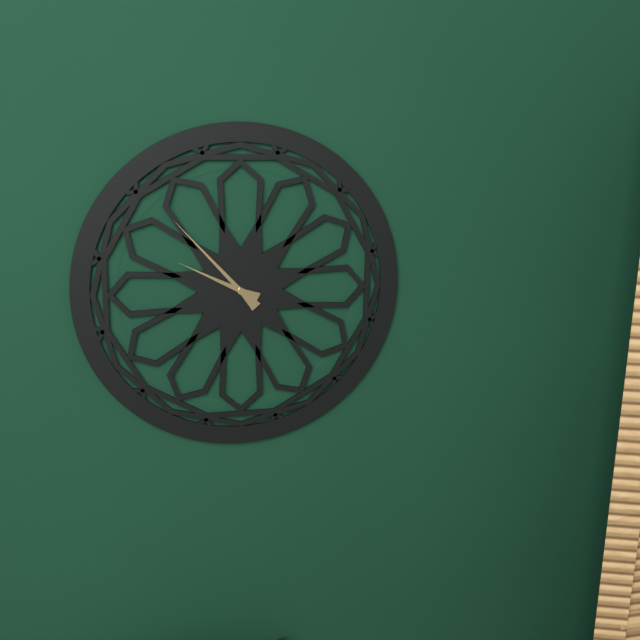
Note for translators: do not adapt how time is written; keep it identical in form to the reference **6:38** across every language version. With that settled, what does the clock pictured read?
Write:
**9:53**
